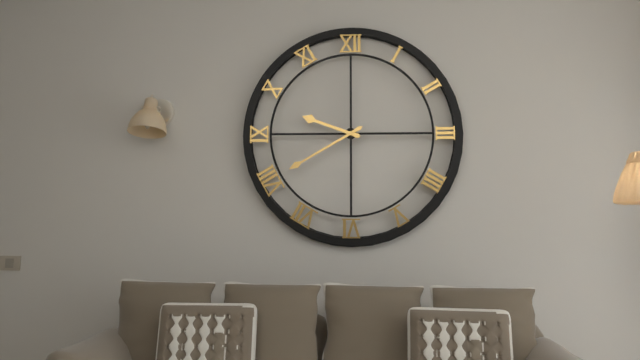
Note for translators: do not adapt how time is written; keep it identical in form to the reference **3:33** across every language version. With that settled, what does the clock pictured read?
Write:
**9:40**
